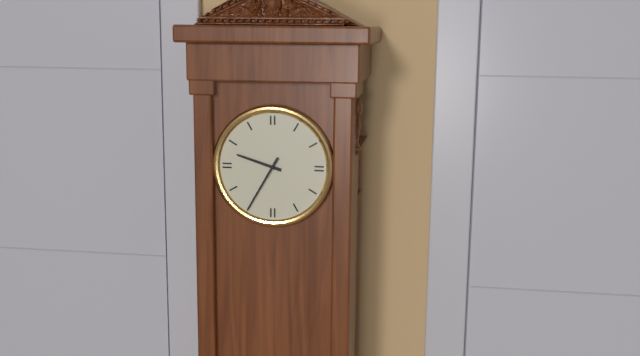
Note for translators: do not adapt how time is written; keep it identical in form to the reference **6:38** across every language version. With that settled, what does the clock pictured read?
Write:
**9:35**
